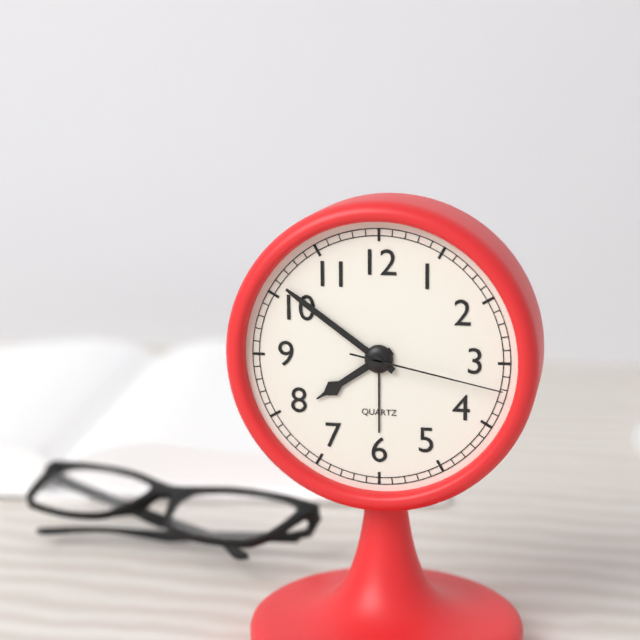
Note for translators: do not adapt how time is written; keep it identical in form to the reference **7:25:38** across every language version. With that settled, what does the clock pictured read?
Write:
**7:51:17**
